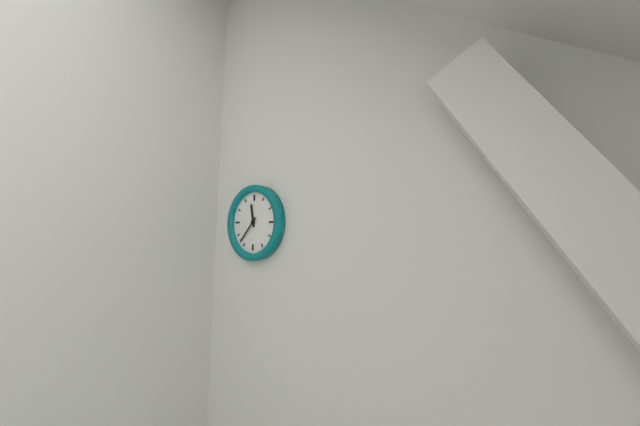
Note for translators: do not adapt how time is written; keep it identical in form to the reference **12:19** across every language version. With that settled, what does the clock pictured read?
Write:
**11:37**
